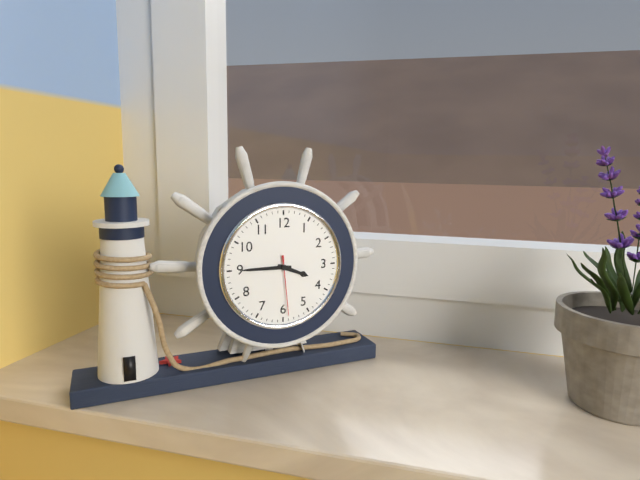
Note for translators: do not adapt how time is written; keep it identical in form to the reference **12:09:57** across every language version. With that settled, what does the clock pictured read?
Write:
**3:45:29**
